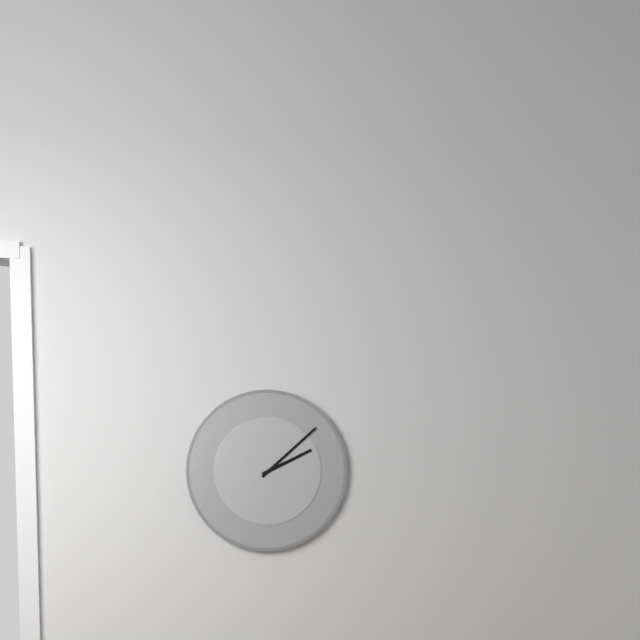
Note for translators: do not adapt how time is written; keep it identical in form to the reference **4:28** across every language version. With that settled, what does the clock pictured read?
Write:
**2:08**
